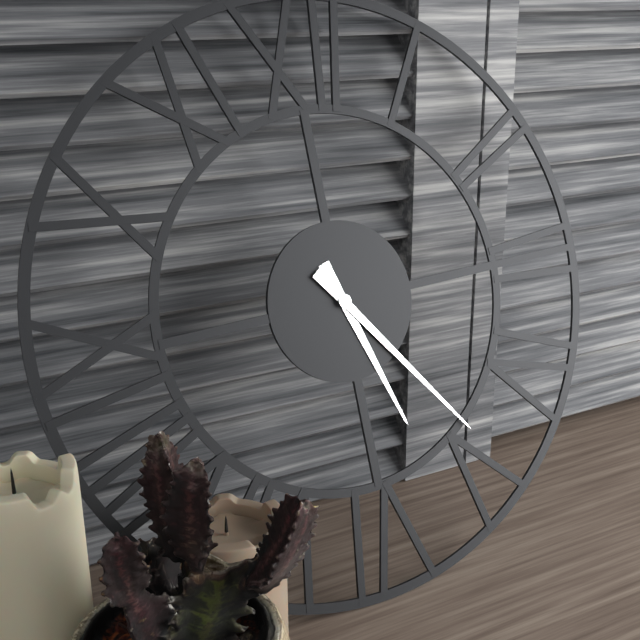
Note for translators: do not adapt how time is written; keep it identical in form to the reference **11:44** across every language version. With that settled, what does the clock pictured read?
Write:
**5:24**
